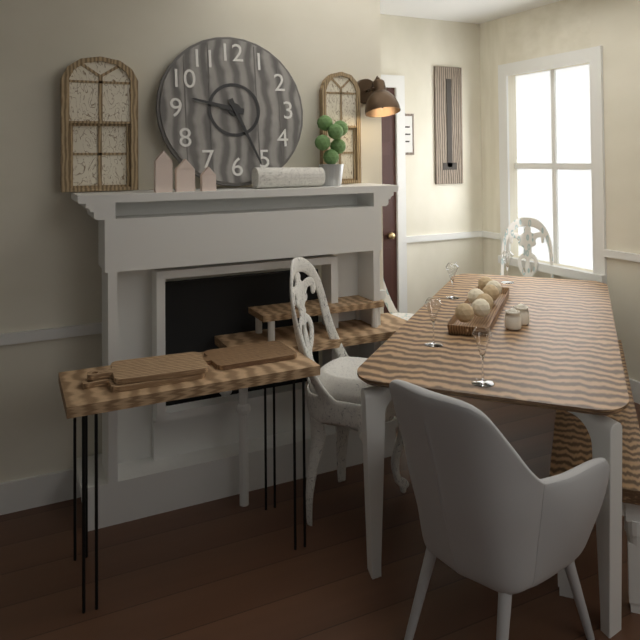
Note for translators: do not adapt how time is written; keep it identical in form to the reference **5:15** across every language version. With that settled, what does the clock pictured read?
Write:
**9:26**
